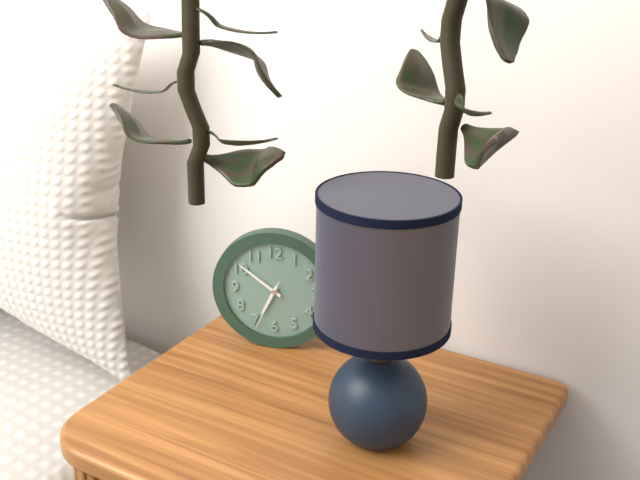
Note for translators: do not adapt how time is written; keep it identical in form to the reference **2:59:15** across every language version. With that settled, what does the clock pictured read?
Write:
**6:51:34**
